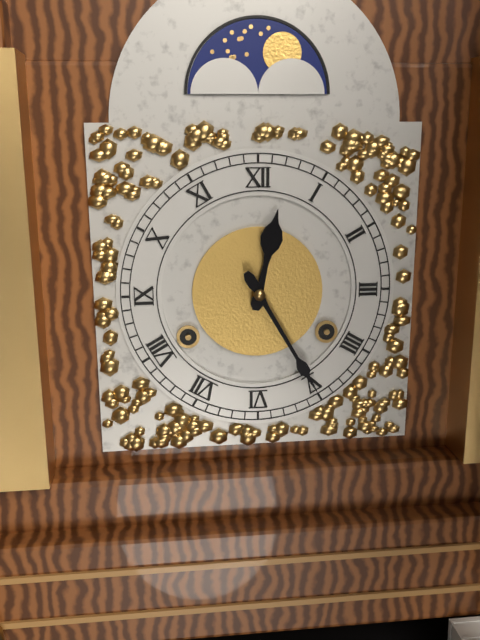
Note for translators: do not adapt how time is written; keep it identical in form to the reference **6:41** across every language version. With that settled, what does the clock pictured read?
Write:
**12:25**
